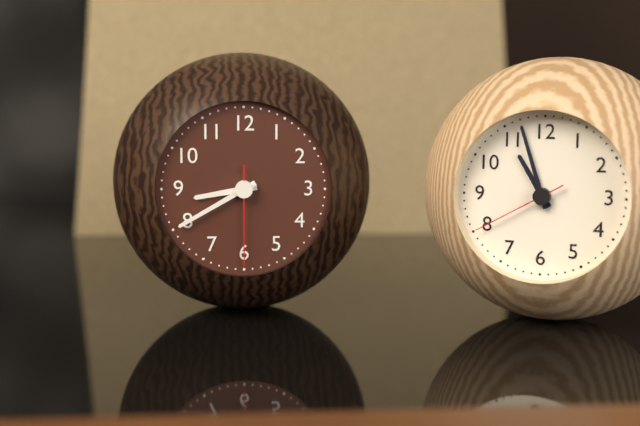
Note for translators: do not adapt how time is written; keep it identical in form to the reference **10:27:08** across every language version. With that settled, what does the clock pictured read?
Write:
**8:40:30**
